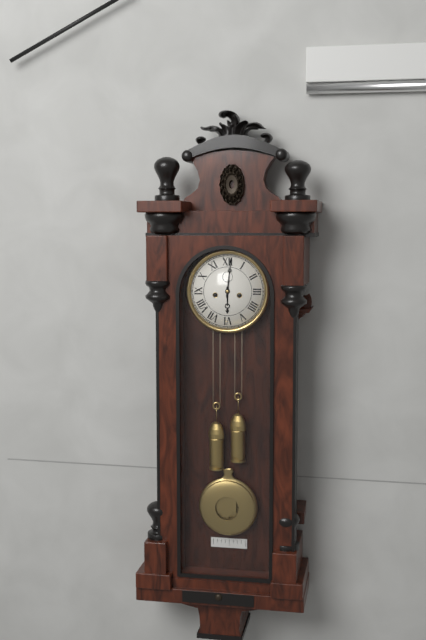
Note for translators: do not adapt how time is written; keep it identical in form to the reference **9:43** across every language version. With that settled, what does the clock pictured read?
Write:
**6:01**
